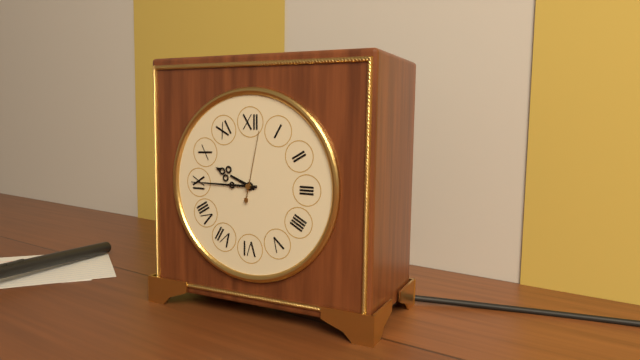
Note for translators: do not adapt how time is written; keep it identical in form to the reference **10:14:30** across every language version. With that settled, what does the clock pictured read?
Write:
**9:45:02**
